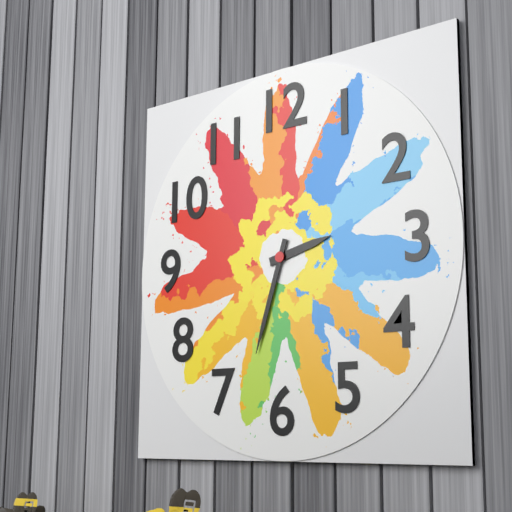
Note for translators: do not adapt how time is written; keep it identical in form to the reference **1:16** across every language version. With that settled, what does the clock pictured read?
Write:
**2:33**
